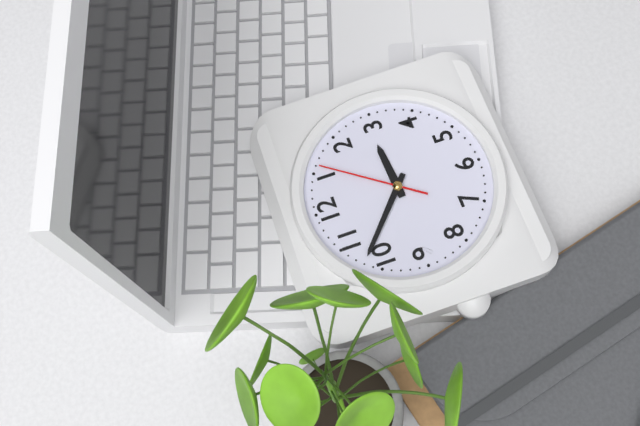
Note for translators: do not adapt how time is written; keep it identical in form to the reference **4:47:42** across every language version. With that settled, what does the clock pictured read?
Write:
**2:52:06**
